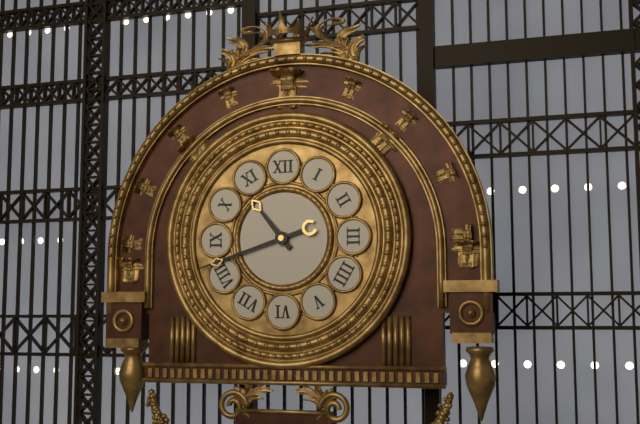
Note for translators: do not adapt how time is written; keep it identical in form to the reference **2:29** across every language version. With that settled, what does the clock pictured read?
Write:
**10:42**
